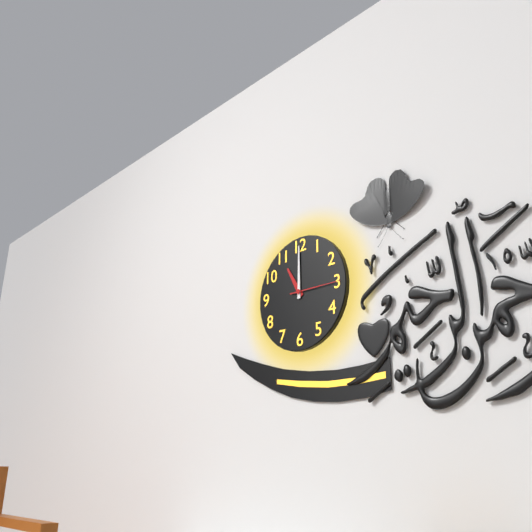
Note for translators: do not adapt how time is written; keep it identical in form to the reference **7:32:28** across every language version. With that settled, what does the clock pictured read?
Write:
**11:00:15**
